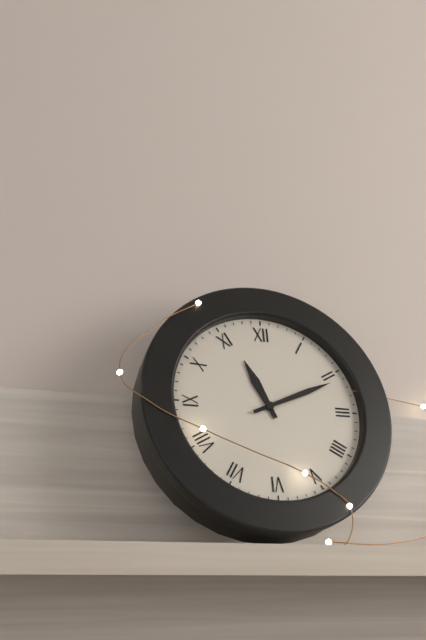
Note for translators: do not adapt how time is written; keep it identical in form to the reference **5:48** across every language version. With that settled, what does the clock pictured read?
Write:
**11:11**
